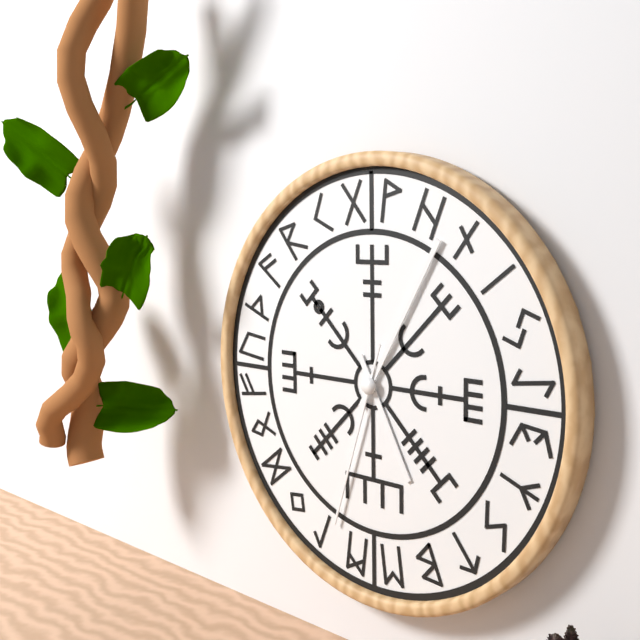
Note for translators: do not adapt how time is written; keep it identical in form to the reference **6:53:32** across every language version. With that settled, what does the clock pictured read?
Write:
**5:05:33**
